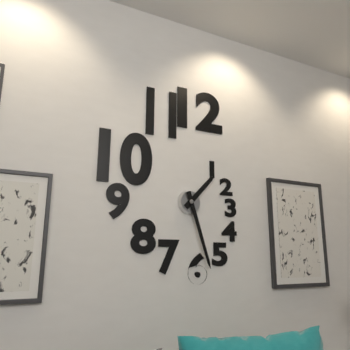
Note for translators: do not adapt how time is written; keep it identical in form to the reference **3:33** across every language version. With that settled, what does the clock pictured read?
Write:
**1:27**
